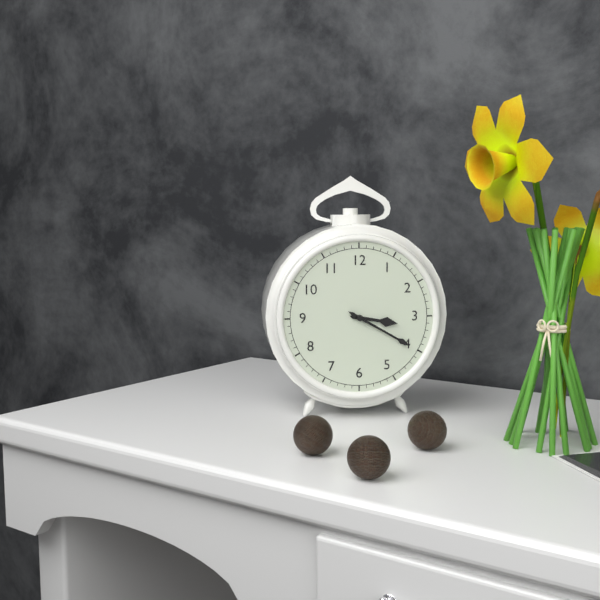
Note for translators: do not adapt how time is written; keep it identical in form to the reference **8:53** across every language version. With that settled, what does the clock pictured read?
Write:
**3:20**
